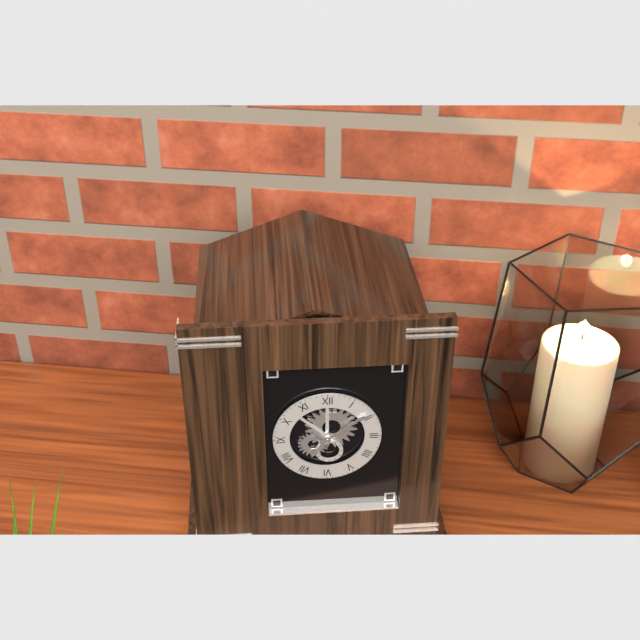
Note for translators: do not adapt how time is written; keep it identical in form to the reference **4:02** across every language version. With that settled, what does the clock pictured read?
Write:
**7:09**
